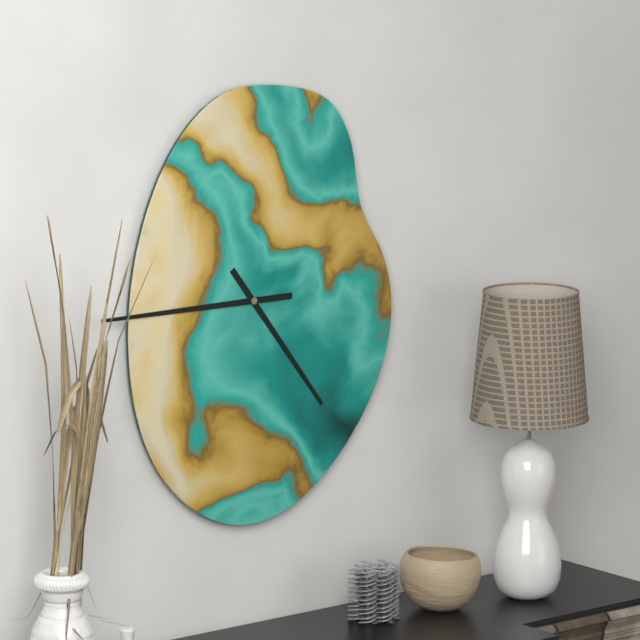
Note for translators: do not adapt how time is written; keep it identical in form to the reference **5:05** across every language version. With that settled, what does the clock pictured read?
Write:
**4:45**
